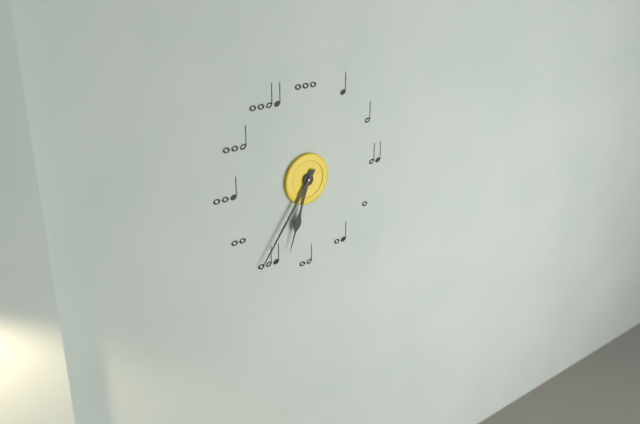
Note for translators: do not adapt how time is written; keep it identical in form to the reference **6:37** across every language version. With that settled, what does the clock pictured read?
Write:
**6:36**
